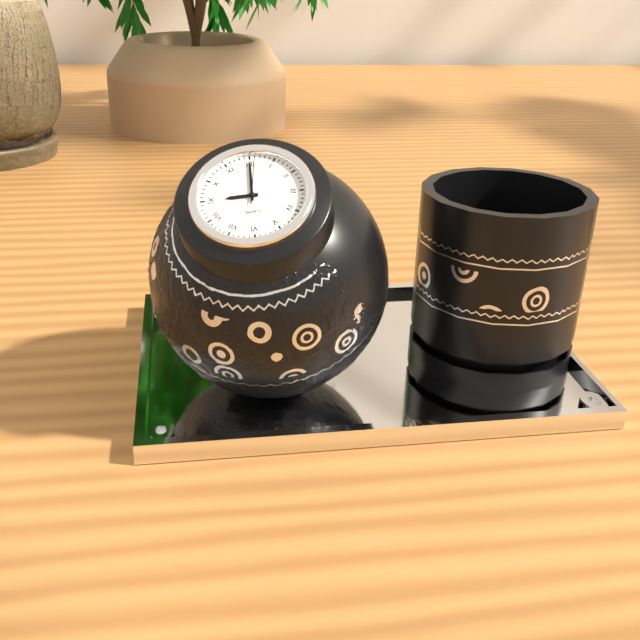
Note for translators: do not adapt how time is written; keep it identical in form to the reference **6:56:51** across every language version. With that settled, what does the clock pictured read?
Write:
**9:00:01**
